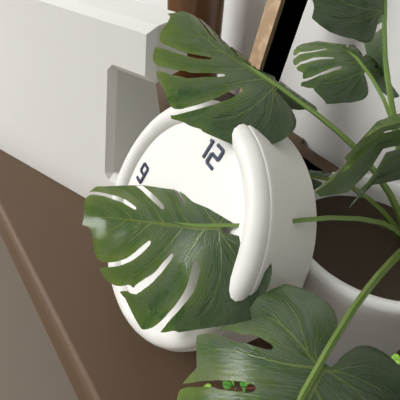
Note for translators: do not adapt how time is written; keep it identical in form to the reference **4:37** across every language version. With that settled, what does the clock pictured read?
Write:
**1:37**
